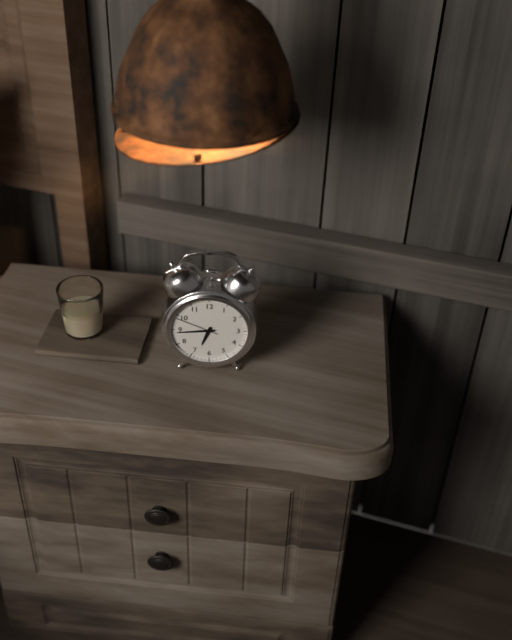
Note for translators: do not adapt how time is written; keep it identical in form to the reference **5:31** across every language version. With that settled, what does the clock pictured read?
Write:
**6:44**
